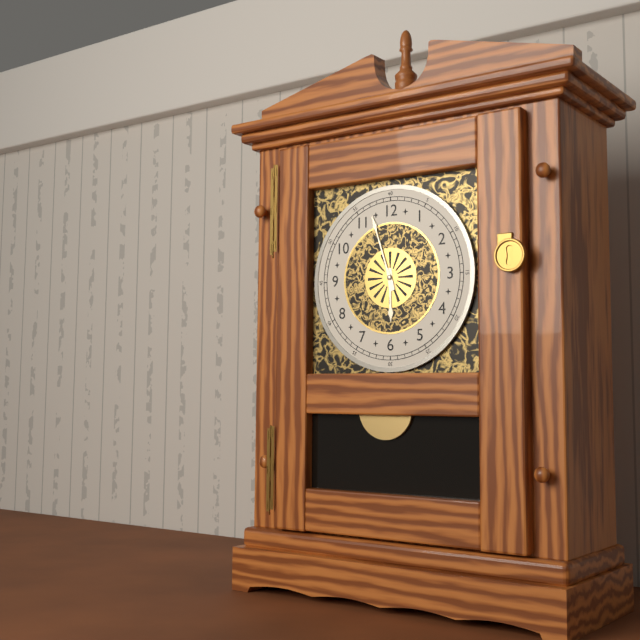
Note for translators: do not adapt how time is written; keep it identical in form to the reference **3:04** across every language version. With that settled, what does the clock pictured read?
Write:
**5:57**
